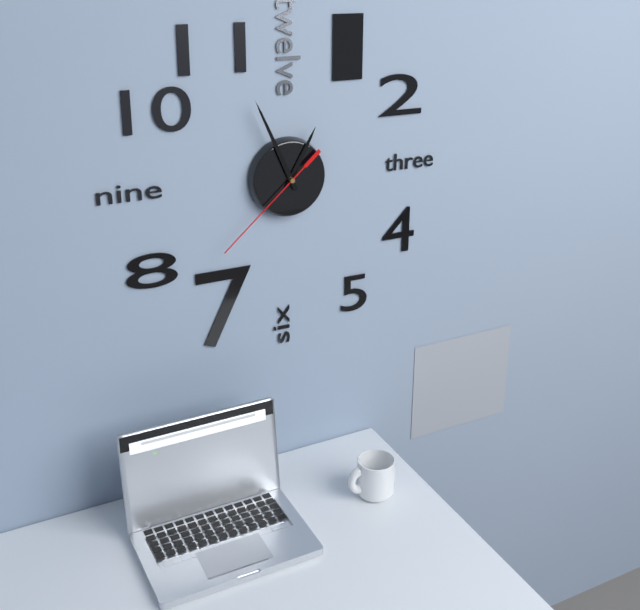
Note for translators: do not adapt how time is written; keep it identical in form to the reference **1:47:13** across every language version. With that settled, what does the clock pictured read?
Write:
**12:56:38**
